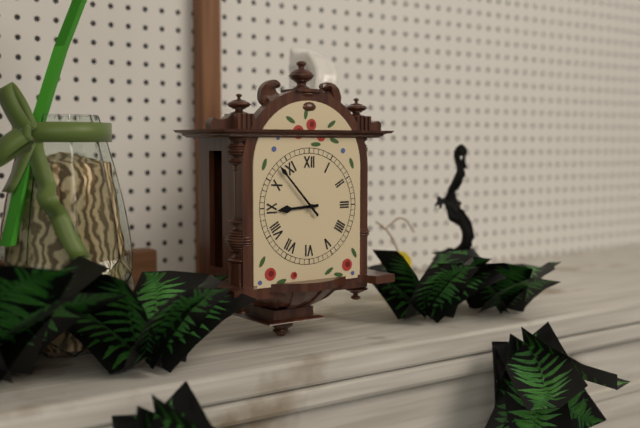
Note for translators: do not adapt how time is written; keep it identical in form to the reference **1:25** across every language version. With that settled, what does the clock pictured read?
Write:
**8:53**
